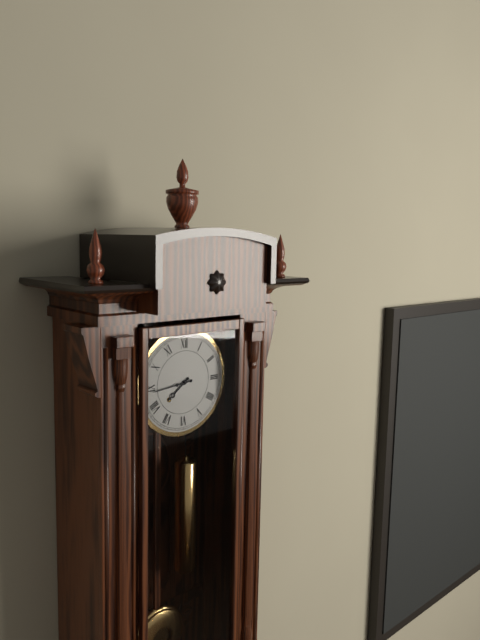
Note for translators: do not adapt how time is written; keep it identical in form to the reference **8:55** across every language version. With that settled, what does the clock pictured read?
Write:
**7:44**
